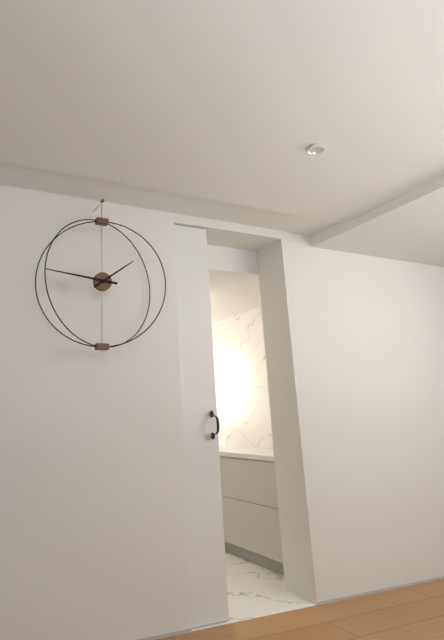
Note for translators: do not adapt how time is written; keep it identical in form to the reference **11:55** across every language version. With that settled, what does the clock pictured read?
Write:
**1:46**
